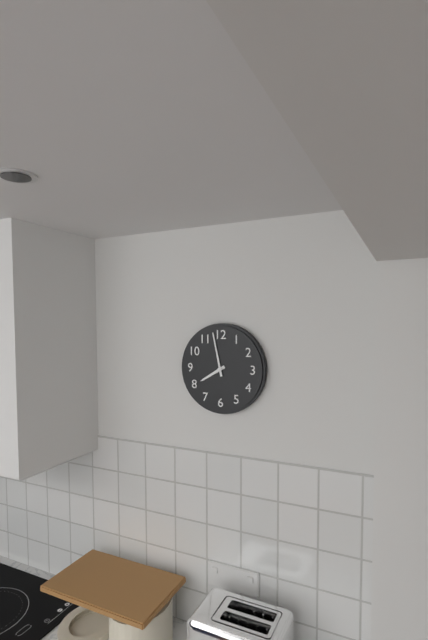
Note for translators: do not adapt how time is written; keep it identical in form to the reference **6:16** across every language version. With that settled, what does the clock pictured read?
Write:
**7:58**
